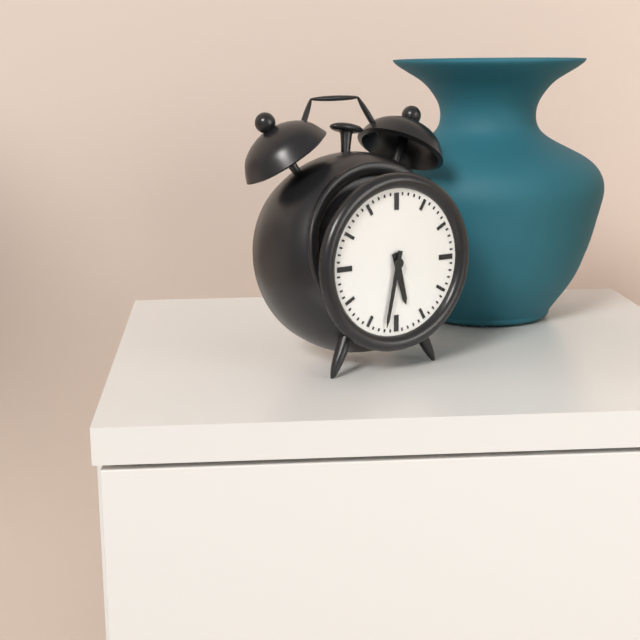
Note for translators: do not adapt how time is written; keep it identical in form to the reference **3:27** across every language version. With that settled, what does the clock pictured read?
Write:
**5:32**
